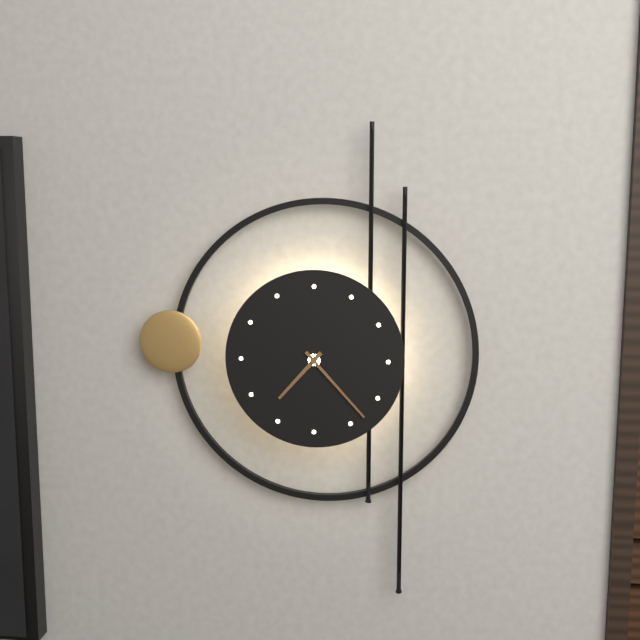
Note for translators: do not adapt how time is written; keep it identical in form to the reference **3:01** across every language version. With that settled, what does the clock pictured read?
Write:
**7:23**
